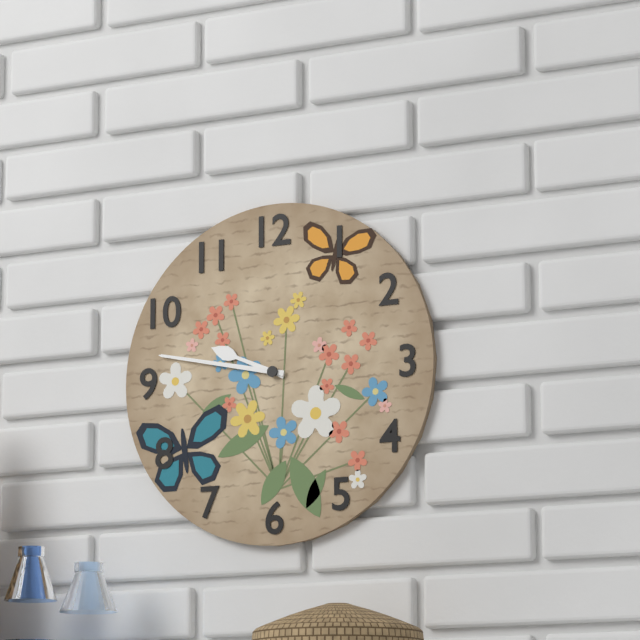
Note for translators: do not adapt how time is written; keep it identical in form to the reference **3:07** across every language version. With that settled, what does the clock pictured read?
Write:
**9:47**
